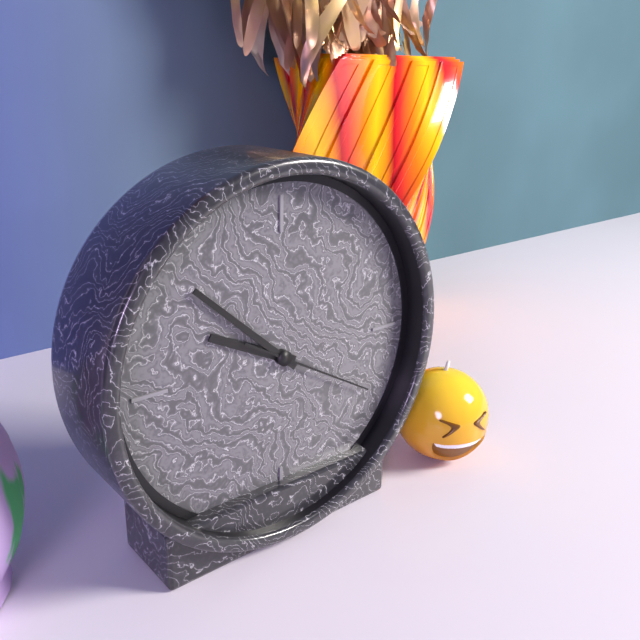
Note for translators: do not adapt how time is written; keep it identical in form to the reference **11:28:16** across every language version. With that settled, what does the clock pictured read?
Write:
**9:52:20**
